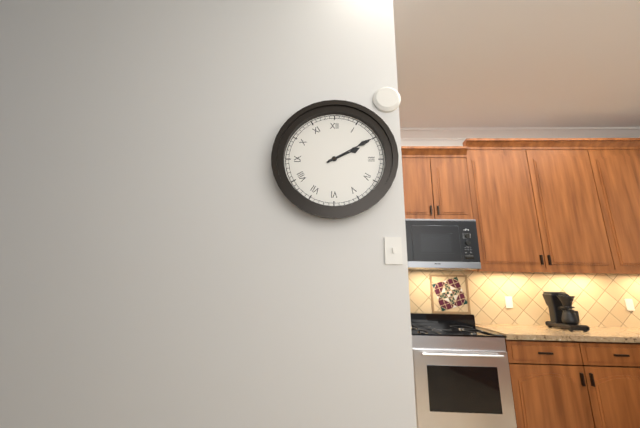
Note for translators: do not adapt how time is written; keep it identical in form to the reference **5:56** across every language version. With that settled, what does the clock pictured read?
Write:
**2:10**
